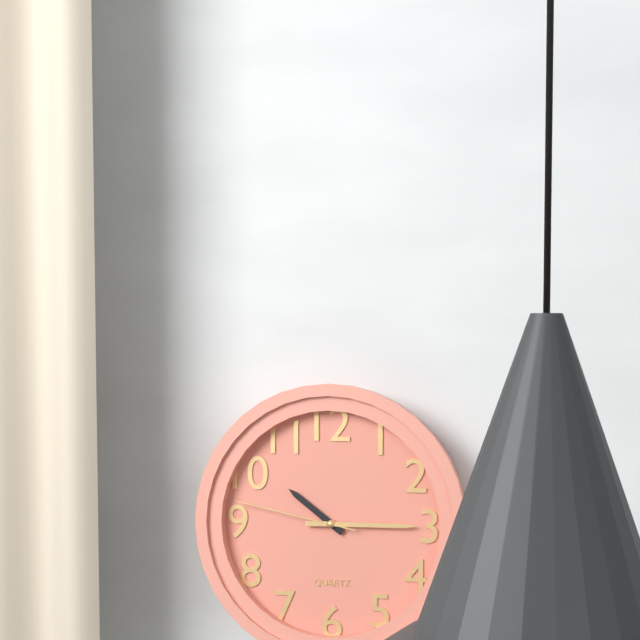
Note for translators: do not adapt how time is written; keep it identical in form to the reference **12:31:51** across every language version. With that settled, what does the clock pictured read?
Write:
**10:15:47**
